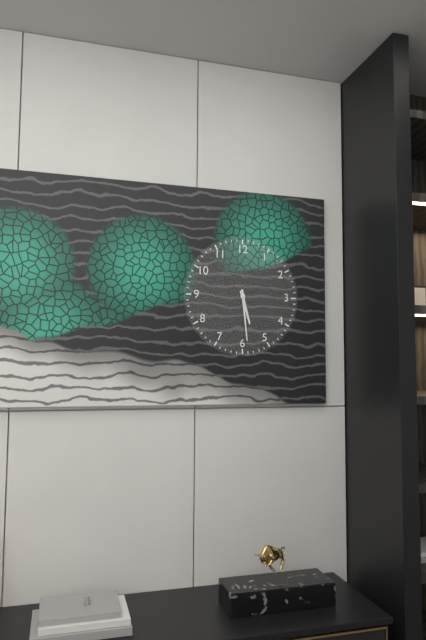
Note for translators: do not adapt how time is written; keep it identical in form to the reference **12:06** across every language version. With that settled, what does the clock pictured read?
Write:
**5:29**
